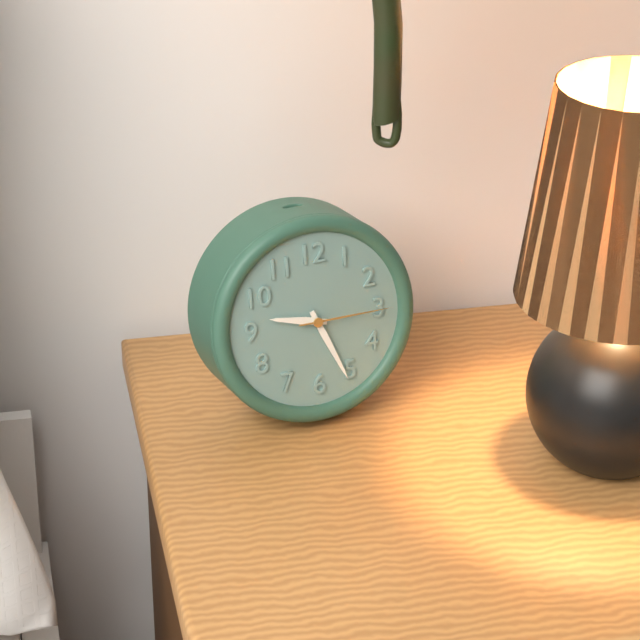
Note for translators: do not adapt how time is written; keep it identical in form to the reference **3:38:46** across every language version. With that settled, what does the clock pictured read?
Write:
**9:26:15**
